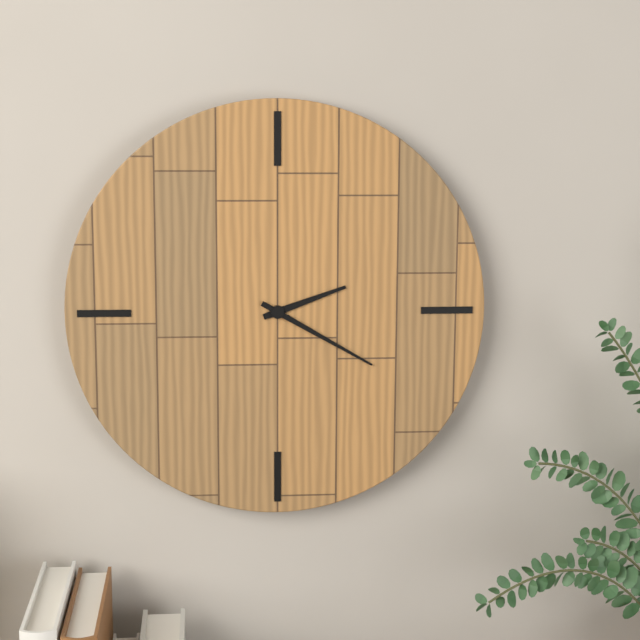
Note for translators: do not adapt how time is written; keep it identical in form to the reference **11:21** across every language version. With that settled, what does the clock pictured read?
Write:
**2:20**
